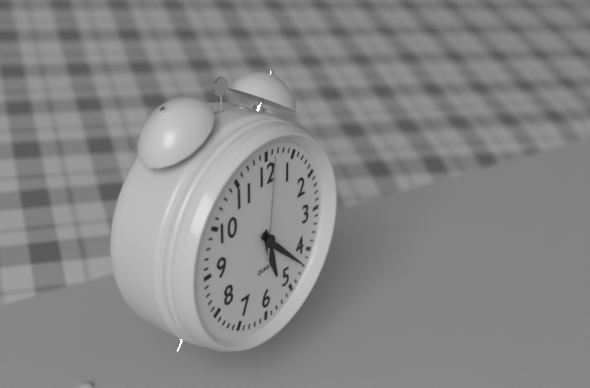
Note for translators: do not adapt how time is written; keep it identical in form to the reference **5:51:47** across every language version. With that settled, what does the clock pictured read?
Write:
**5:22:01**
